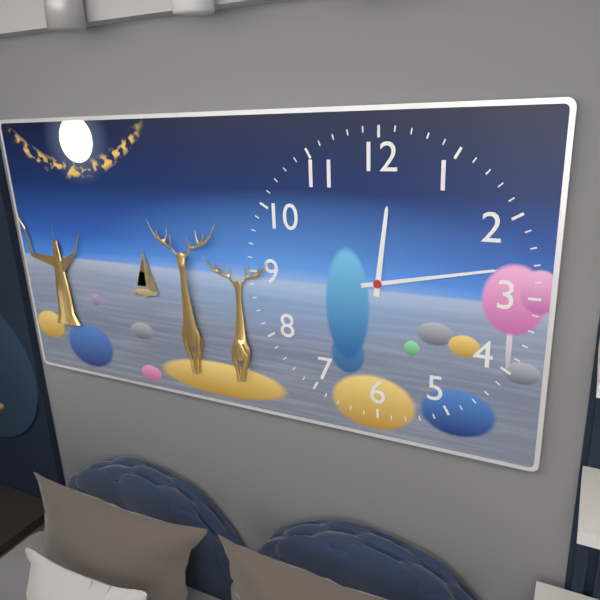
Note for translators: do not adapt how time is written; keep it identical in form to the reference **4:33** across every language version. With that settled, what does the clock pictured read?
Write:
**12:13**
